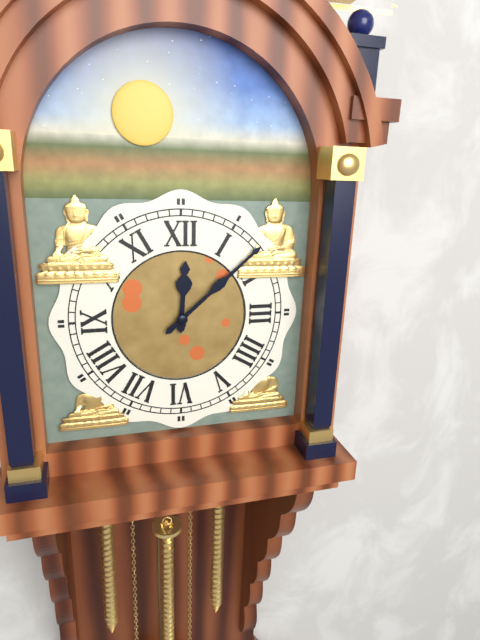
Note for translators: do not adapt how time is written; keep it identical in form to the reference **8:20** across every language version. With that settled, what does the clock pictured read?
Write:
**12:08**
